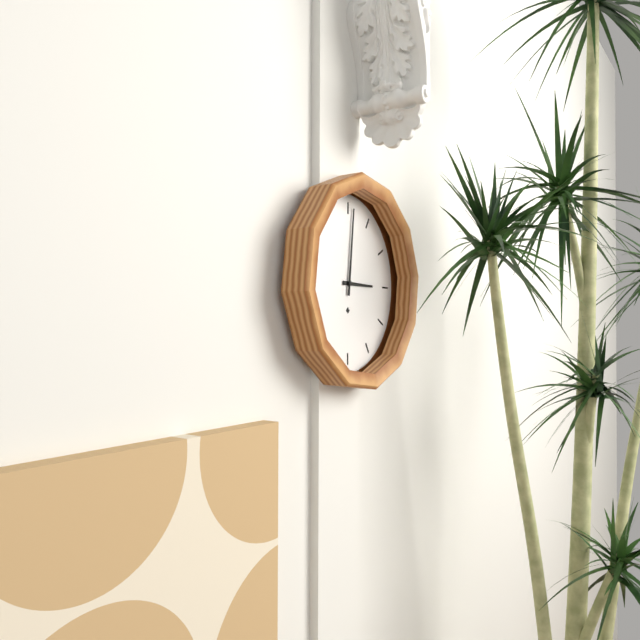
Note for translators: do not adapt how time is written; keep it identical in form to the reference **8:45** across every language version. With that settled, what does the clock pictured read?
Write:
**3:01**
